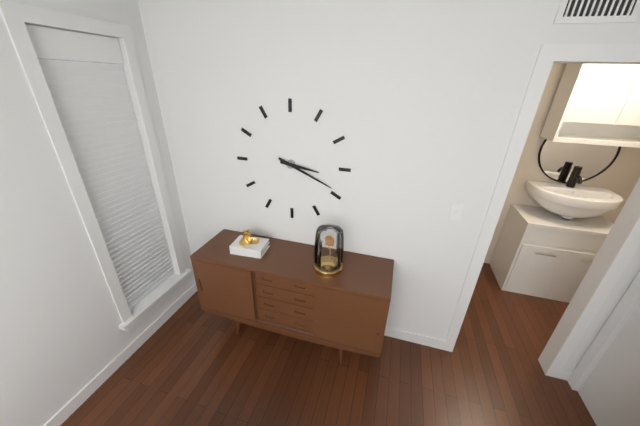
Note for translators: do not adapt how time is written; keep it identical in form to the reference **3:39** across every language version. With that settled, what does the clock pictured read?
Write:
**3:19**
